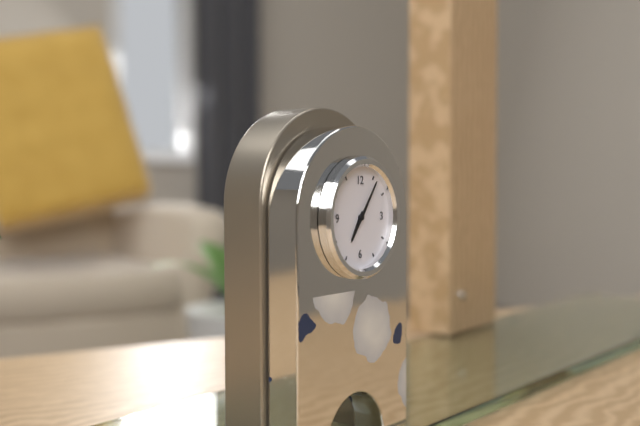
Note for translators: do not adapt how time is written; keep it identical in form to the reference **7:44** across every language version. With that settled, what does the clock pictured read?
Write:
**7:06**
